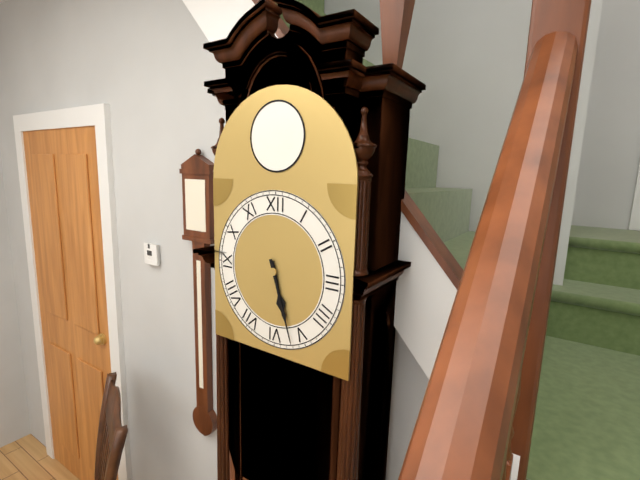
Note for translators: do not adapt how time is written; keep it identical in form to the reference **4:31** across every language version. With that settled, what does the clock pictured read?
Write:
**5:27**
